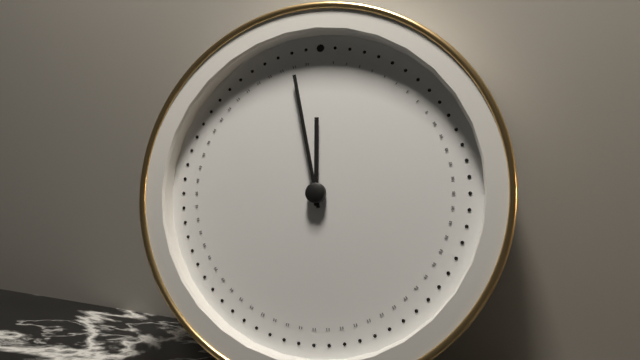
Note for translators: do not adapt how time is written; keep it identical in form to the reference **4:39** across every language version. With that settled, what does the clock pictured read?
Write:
**11:58**
